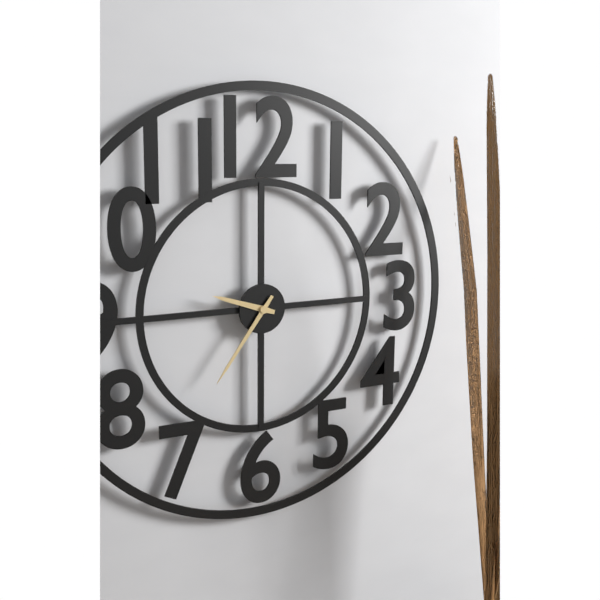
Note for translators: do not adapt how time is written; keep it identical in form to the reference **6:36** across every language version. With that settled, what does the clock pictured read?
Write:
**9:36**
